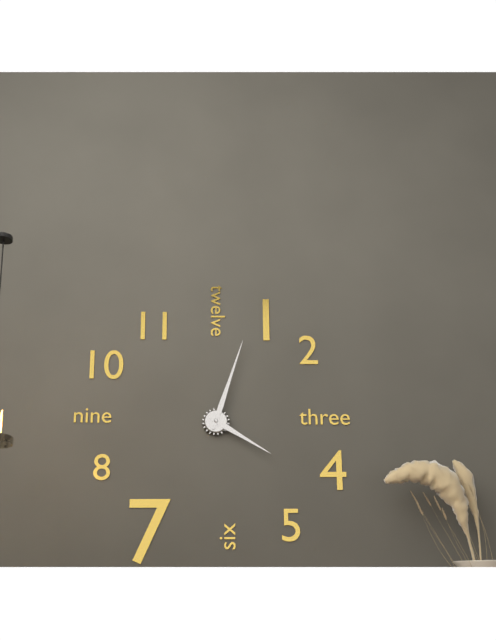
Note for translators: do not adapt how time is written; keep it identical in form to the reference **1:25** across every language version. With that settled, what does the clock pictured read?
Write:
**4:03**
